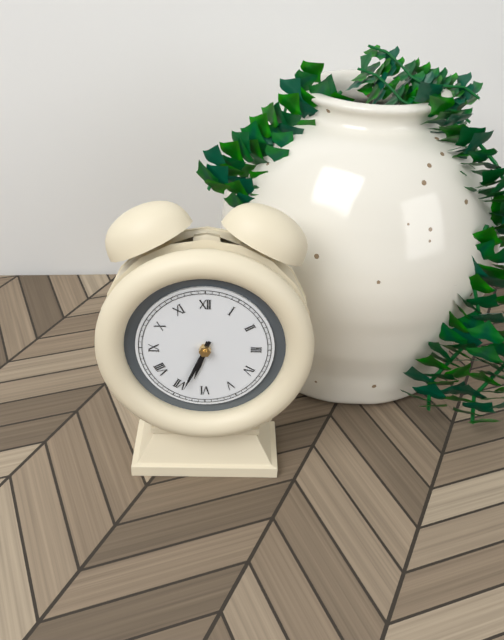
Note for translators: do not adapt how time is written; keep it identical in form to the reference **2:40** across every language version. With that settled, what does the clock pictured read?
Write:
**6:34**
